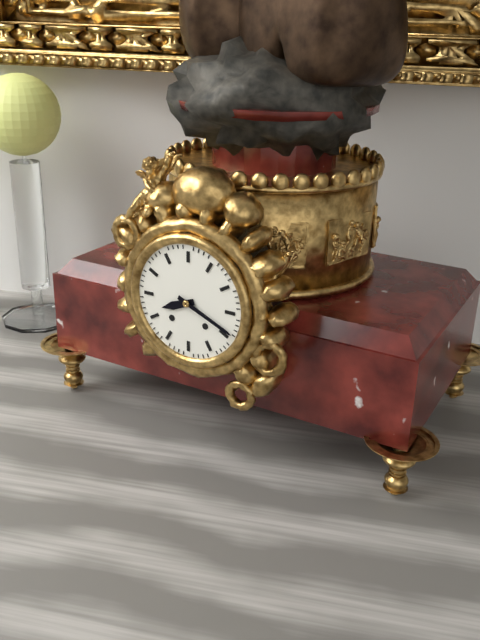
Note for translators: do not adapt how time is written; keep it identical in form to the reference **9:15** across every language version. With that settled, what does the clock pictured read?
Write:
**8:19**
